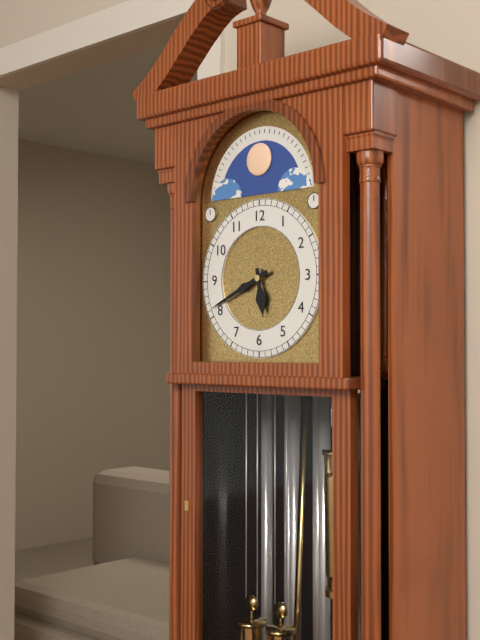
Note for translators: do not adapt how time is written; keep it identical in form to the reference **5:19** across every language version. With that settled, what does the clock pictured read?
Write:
**5:41**
